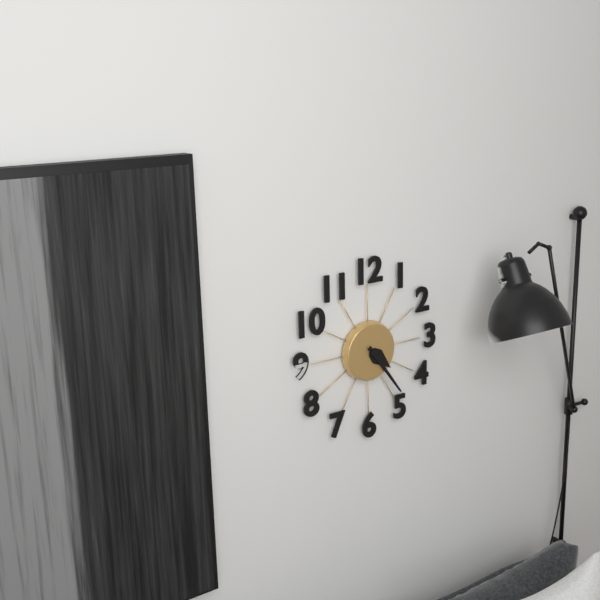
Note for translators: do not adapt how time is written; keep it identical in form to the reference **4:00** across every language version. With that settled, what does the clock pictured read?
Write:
**4:24**
